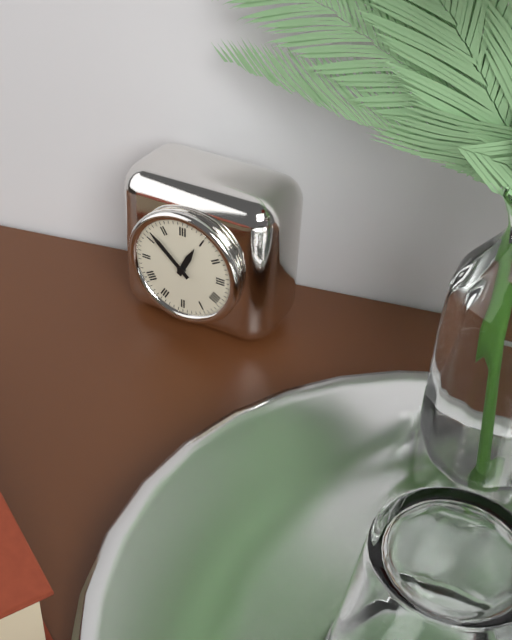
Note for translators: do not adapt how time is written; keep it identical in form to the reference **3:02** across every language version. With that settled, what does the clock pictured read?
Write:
**12:52**
